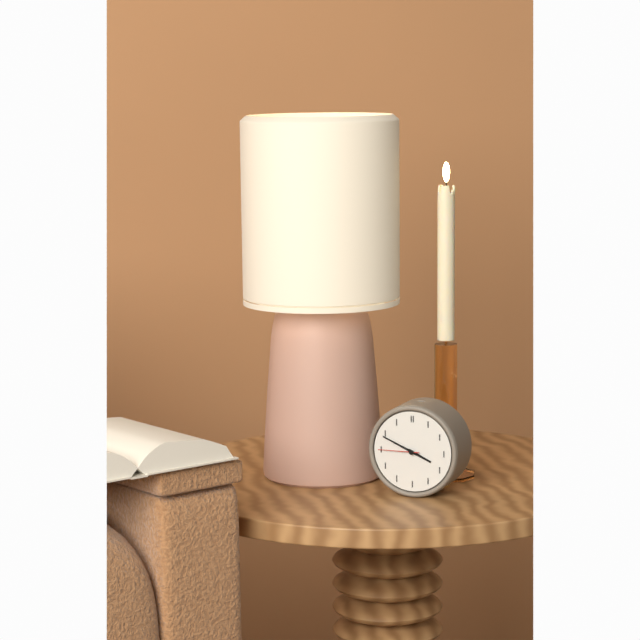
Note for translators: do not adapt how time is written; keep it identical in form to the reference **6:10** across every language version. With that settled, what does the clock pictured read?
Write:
**3:49**
